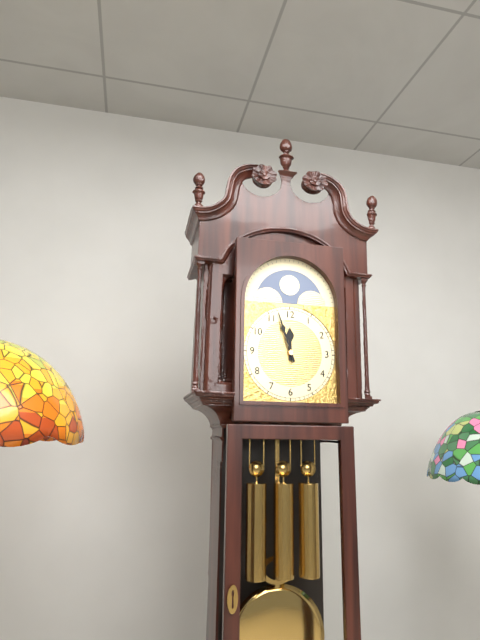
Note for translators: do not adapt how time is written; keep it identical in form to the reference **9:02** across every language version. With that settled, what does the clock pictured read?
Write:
**11:57**
